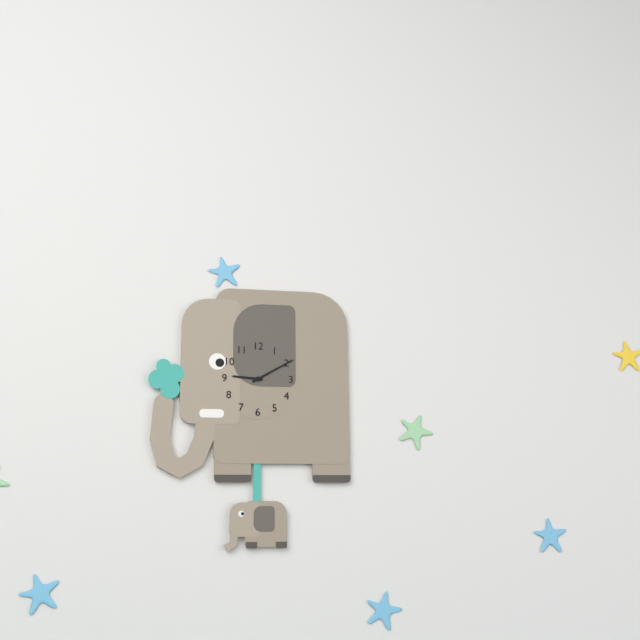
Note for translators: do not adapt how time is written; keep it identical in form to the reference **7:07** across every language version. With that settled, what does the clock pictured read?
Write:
**9:10**
